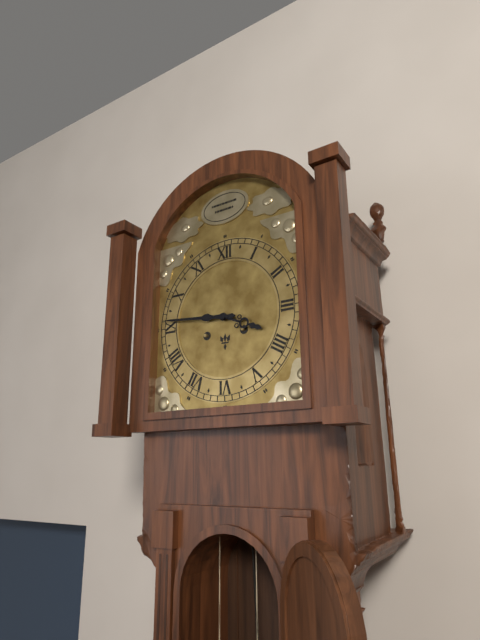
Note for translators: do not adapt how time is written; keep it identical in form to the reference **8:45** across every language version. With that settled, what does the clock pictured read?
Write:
**3:46**
